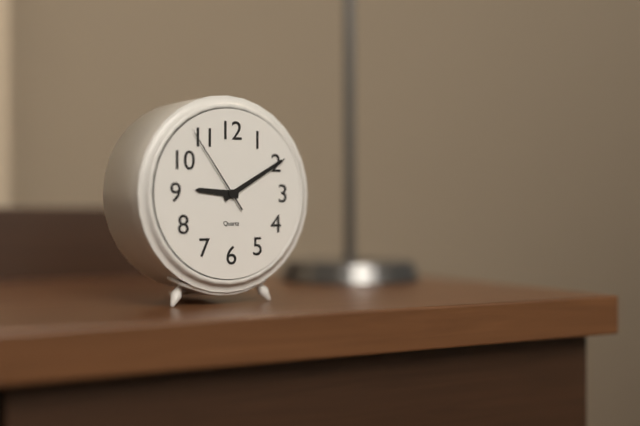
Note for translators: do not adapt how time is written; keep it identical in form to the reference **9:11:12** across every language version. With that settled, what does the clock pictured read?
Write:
**9:10:54**
